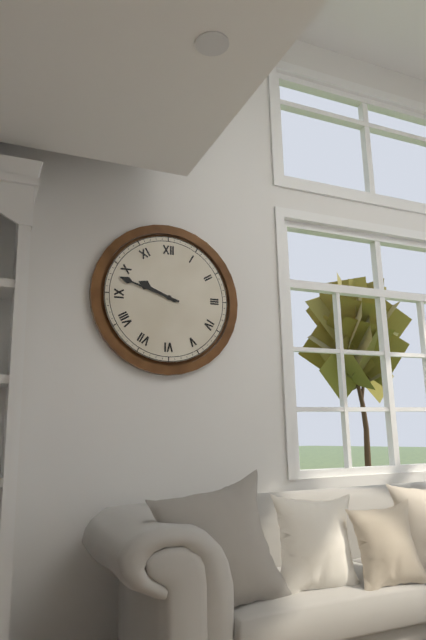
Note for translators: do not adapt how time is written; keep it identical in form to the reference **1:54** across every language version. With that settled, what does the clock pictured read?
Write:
**9:48**
